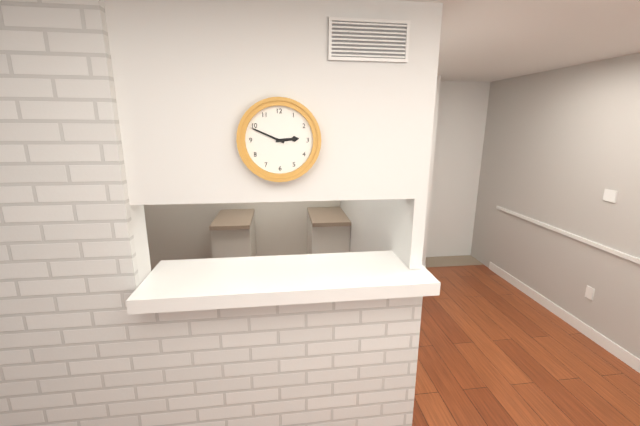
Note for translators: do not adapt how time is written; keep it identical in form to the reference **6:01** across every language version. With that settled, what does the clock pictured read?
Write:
**2:49**
